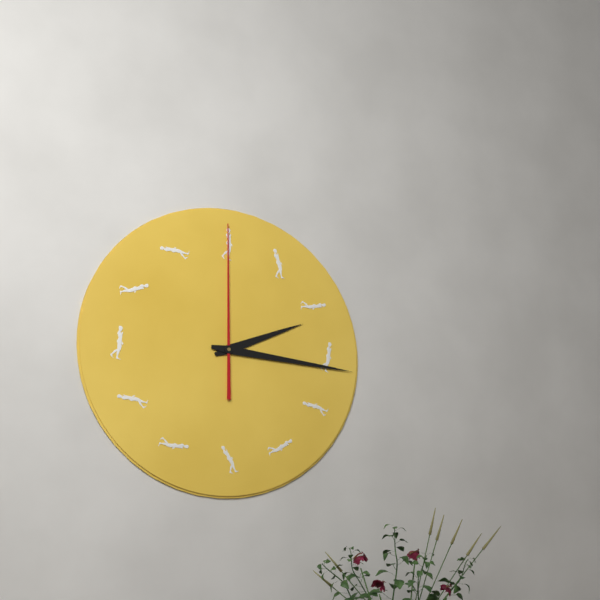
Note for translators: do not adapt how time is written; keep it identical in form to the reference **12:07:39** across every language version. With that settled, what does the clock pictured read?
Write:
**2:16:00**
